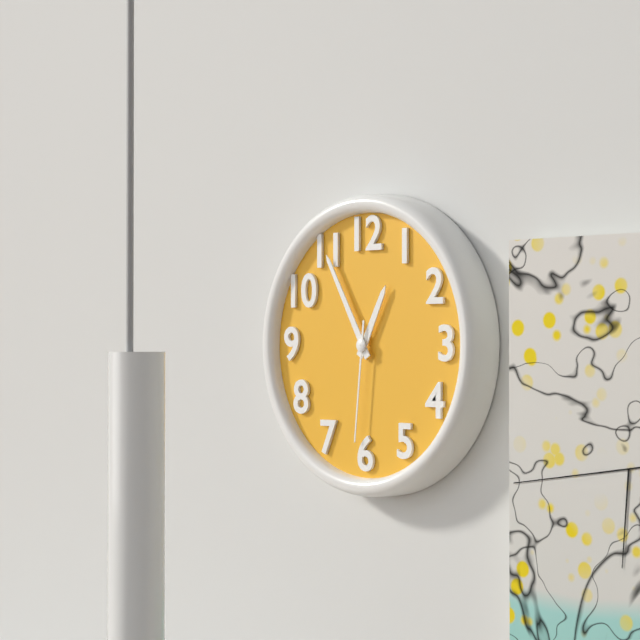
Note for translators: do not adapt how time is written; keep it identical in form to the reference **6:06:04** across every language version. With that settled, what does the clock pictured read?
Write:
**12:55:31**
